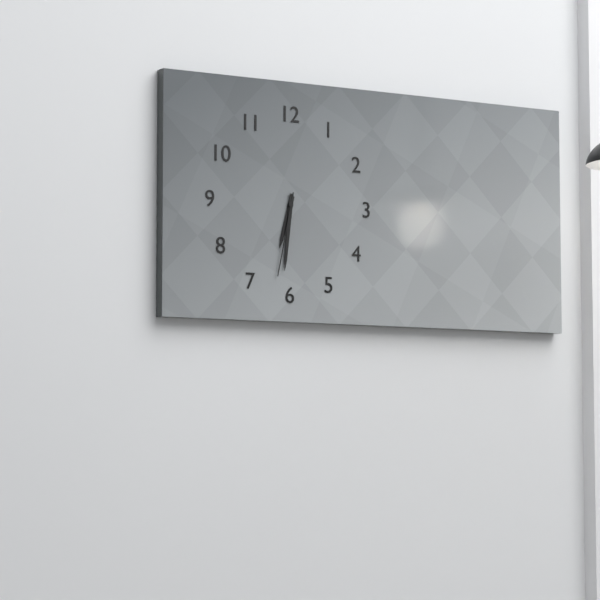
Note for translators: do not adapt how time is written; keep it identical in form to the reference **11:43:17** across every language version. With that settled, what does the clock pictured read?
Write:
**6:31:32**
